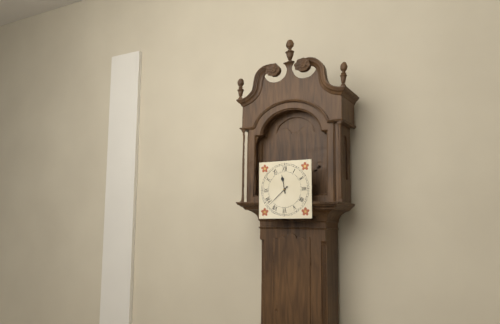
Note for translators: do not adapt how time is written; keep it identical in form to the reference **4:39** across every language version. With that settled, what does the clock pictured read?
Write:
**11:38**
